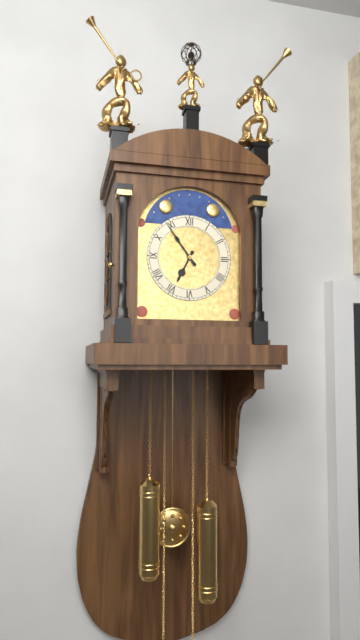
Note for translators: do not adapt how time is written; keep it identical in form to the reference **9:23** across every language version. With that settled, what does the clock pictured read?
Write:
**6:54**
